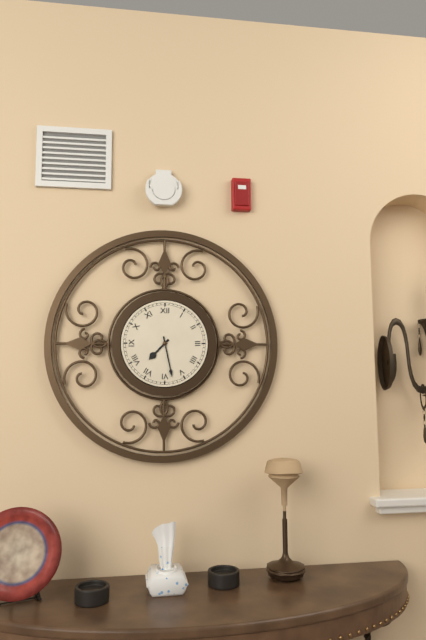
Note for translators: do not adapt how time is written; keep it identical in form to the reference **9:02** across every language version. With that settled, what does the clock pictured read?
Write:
**7:28**
